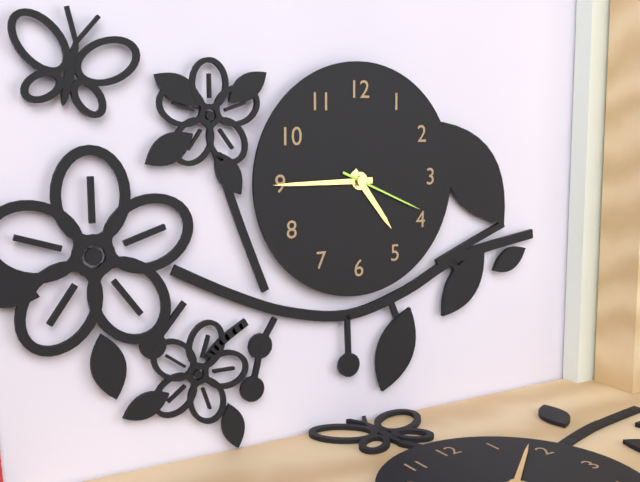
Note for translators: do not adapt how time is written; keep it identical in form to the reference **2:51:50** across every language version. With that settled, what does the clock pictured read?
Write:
**4:45:19**
